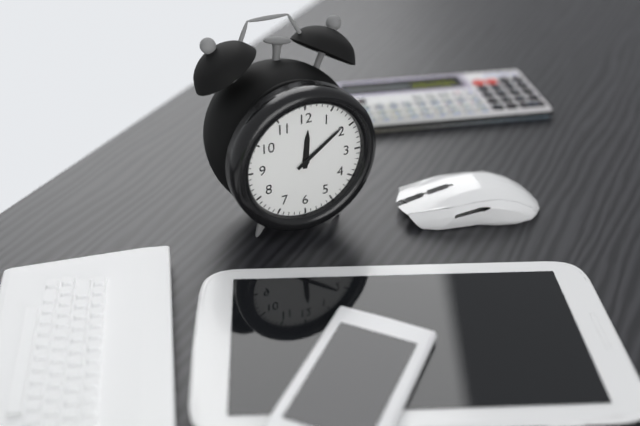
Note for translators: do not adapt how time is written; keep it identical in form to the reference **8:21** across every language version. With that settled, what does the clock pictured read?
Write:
**12:09**
